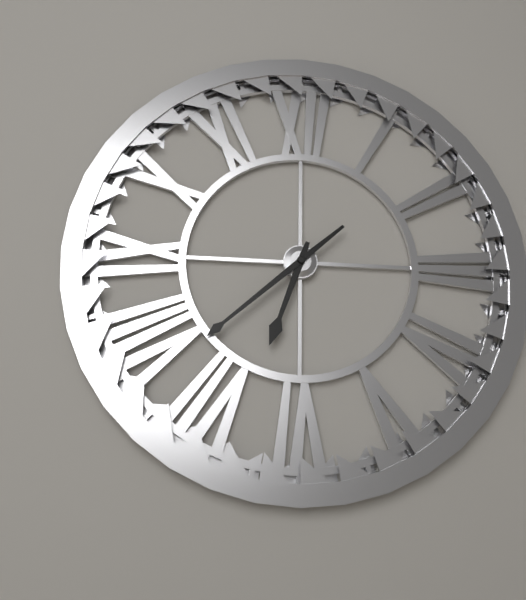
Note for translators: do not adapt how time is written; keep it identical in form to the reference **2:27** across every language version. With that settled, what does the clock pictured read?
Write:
**6:38**
